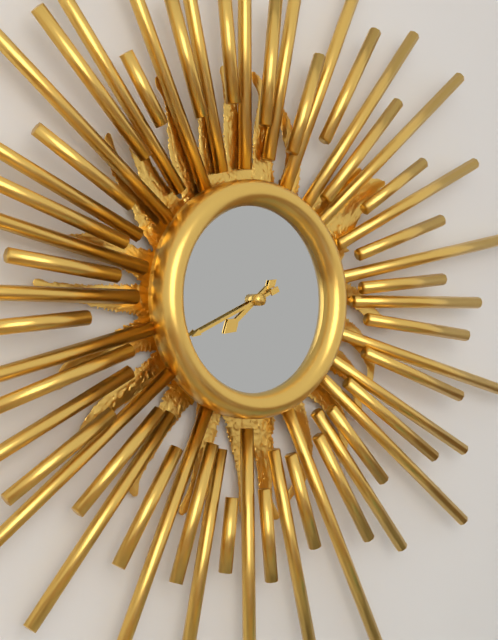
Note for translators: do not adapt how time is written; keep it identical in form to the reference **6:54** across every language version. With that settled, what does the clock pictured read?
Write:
**7:41**
